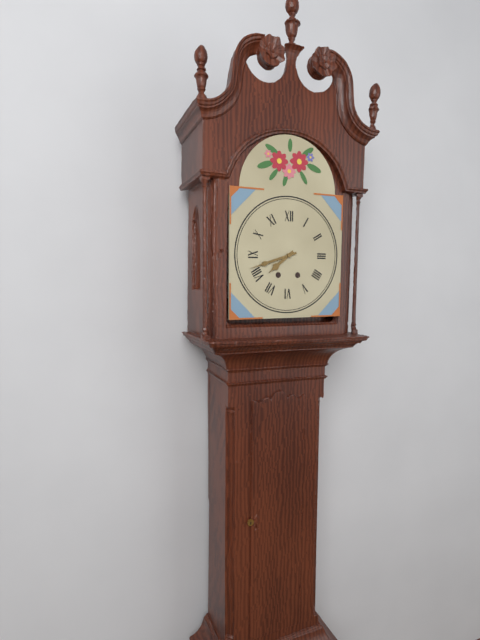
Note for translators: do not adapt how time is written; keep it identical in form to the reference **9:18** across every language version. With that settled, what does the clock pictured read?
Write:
**7:42**
